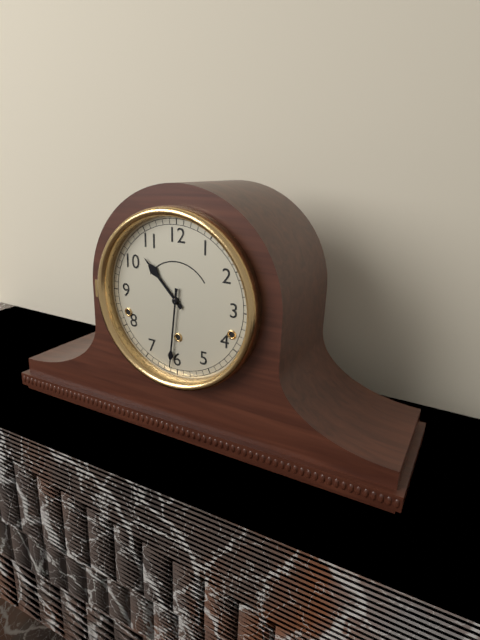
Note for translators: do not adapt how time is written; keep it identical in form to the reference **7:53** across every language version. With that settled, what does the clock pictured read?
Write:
**10:31**
